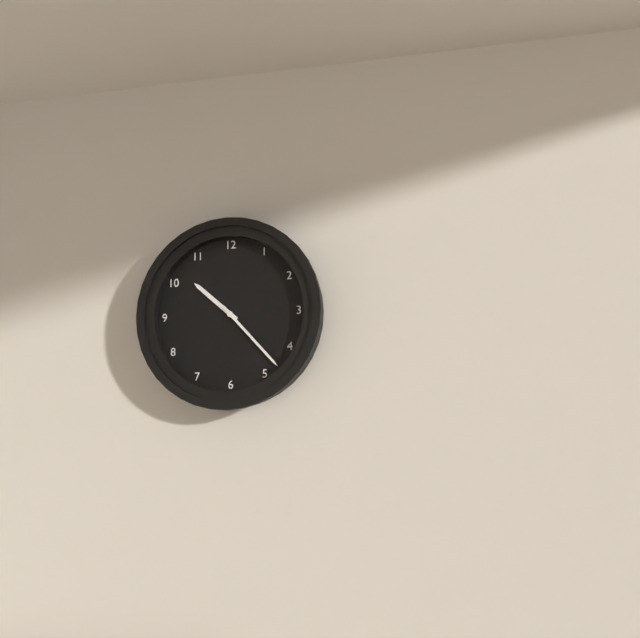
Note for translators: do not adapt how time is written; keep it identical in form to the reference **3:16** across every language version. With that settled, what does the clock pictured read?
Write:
**10:23**
